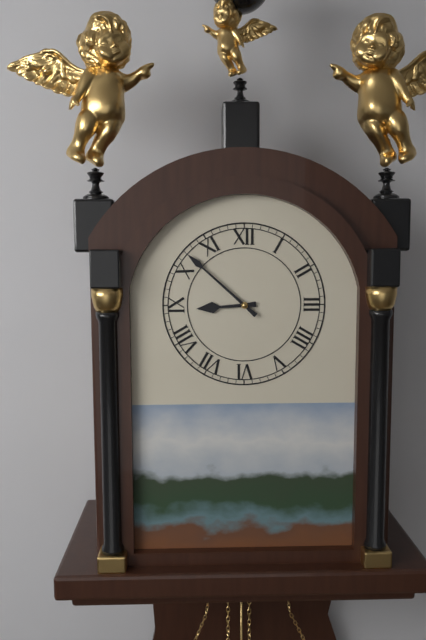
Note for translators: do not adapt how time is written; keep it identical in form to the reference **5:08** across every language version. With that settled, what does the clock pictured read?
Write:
**8:52**
